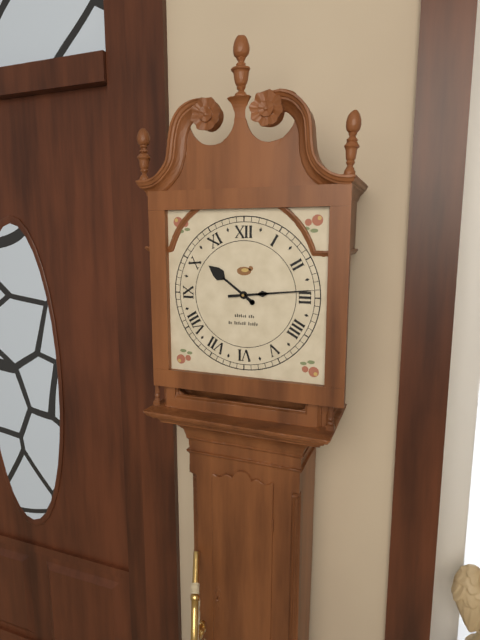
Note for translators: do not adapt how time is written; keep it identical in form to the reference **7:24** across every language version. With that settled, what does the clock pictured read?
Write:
**10:14**
